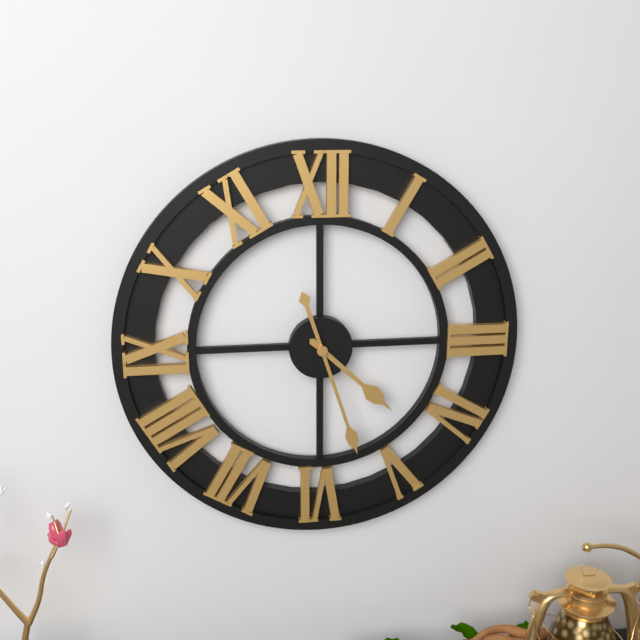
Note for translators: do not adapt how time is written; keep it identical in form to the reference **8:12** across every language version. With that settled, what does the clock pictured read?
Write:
**4:27**
